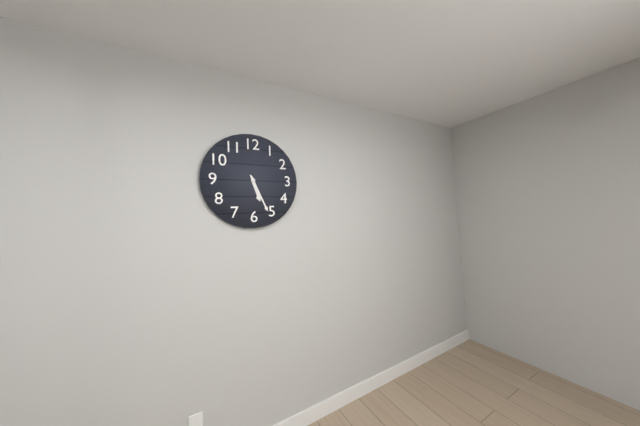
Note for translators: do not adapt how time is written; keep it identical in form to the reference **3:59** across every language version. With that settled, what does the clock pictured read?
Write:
**5:26**
